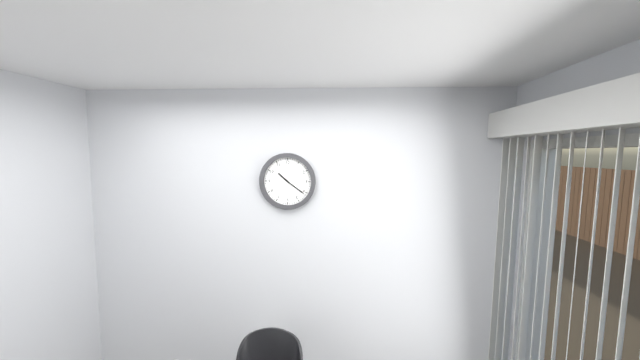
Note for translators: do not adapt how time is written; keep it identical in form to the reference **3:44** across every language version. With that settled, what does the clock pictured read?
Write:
**10:21**
